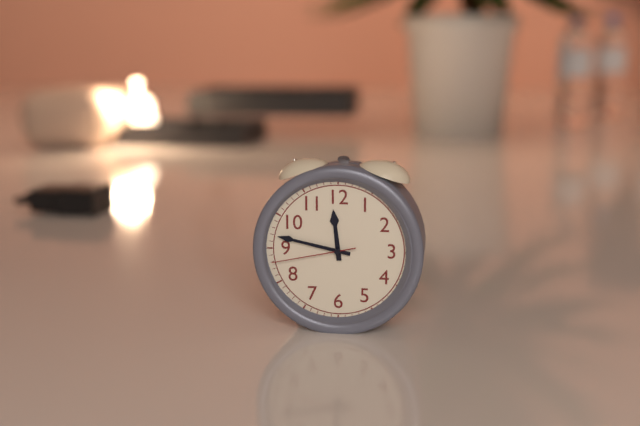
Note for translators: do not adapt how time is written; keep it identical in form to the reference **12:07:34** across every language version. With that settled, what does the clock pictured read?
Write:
**11:47:43**
